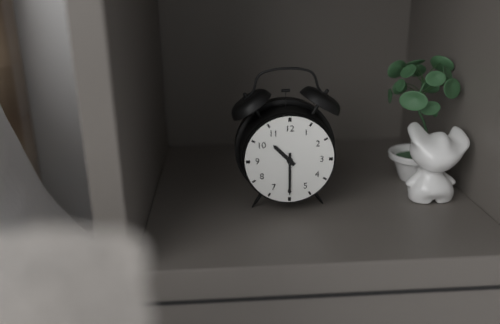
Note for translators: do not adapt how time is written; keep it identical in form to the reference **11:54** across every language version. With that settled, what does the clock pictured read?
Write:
**10:30**
